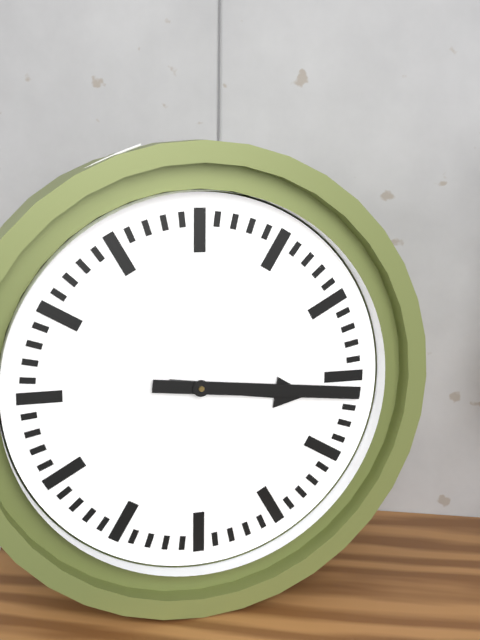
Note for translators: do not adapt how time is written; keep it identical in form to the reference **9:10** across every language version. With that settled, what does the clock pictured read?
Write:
**3:16**
